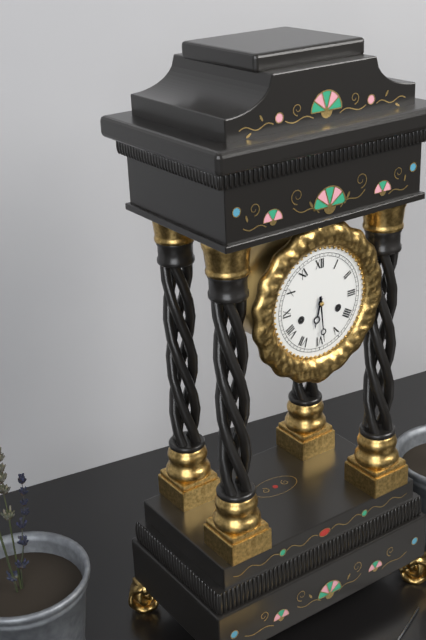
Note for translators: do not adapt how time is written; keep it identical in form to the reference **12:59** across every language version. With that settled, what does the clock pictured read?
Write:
**6:29**
